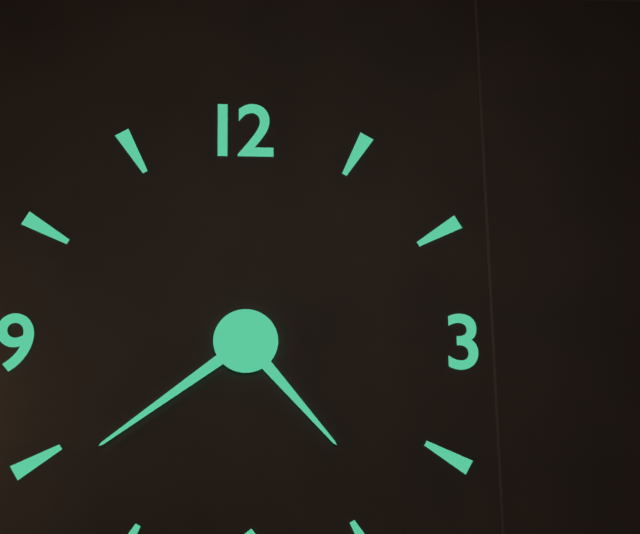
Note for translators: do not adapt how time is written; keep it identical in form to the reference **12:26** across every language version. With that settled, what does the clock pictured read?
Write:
**4:39**
